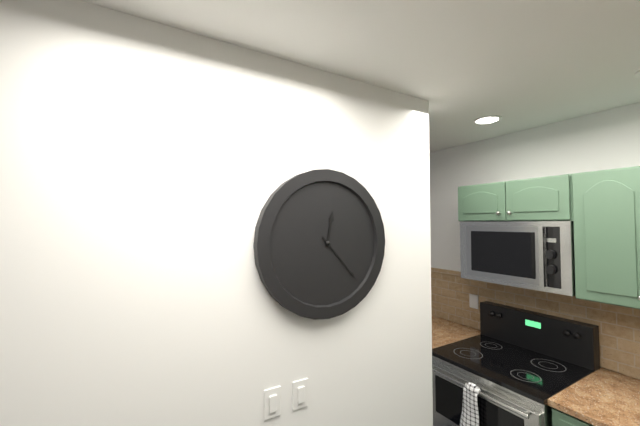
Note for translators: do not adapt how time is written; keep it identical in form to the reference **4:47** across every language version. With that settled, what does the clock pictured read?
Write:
**12:23**
